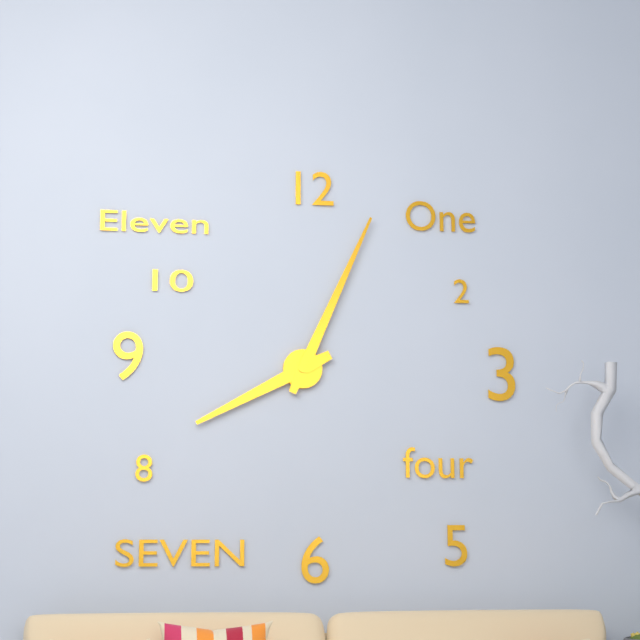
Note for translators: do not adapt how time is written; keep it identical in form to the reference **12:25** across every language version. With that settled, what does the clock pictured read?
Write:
**8:04**
